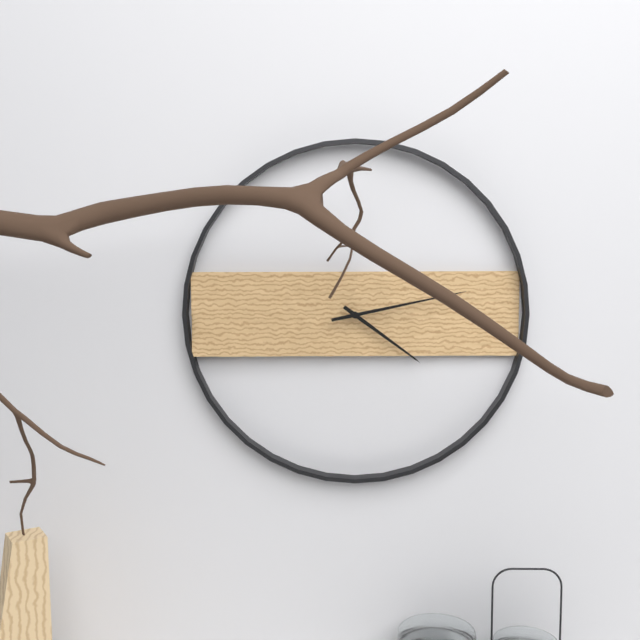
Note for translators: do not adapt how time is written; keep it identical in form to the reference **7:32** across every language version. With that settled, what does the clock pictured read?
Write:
**4:13**
